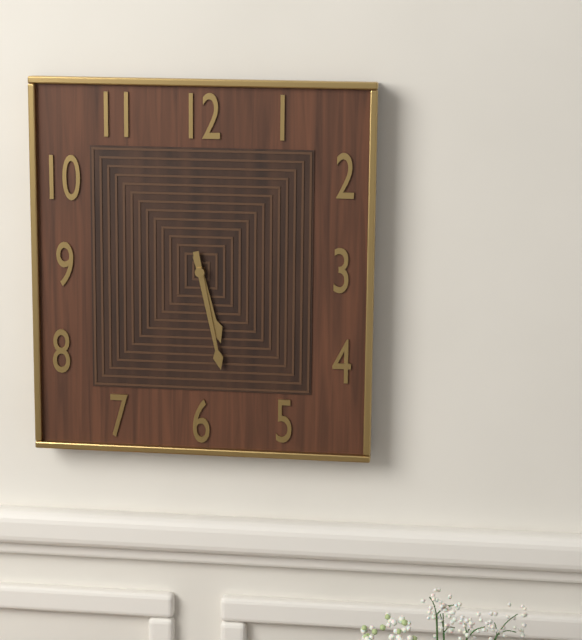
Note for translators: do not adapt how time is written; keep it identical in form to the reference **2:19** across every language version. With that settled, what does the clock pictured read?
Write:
**5:28**
